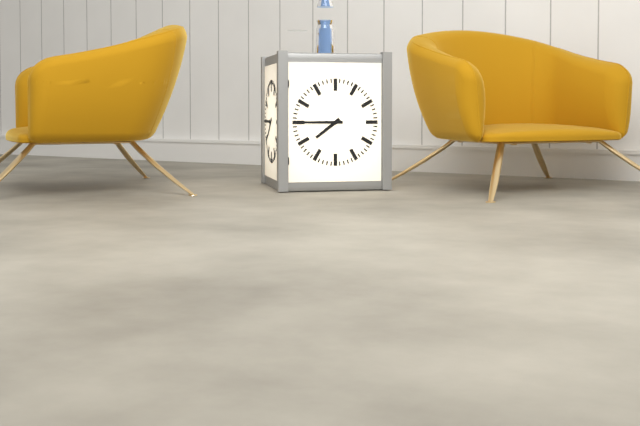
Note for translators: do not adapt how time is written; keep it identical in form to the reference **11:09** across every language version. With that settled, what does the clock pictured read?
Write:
**7:45**
